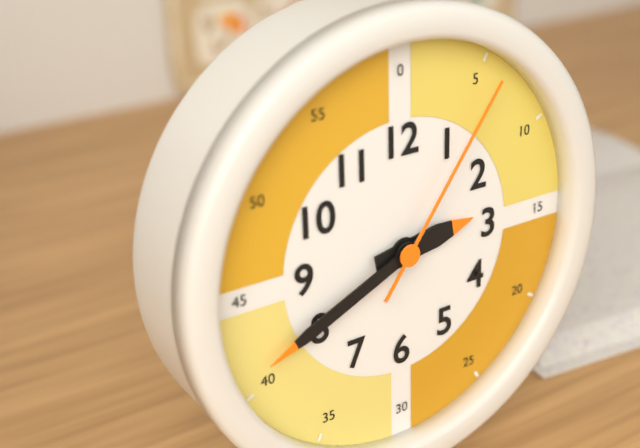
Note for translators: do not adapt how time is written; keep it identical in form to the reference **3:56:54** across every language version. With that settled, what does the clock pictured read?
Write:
**2:41:06**
